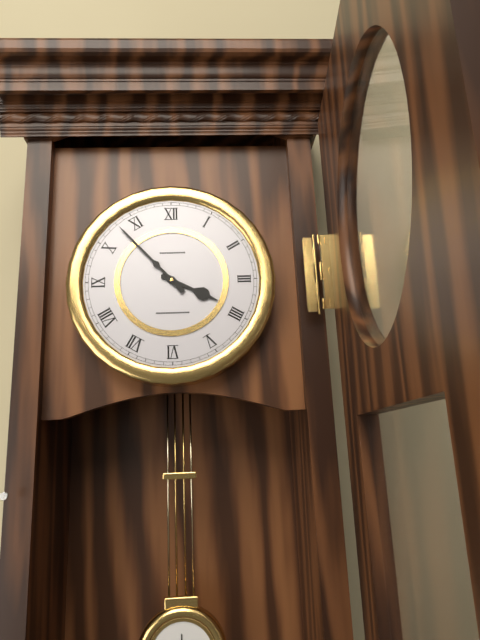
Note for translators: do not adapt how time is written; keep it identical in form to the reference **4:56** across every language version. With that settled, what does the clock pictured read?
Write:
**3:53**
